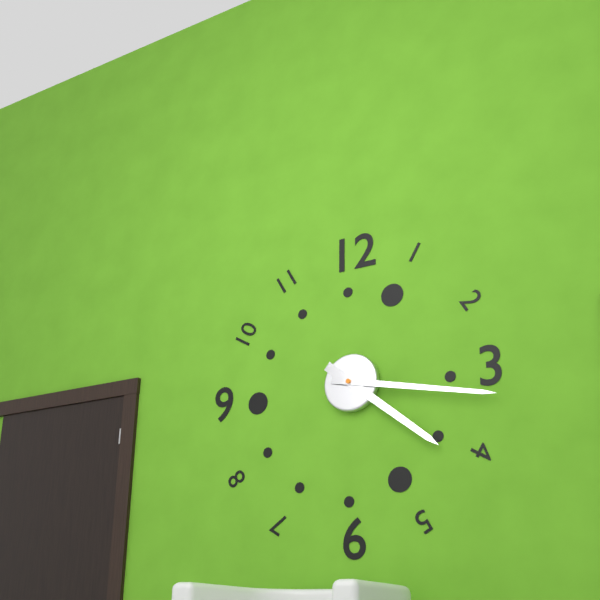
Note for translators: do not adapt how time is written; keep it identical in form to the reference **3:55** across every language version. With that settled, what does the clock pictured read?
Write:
**4:17**
